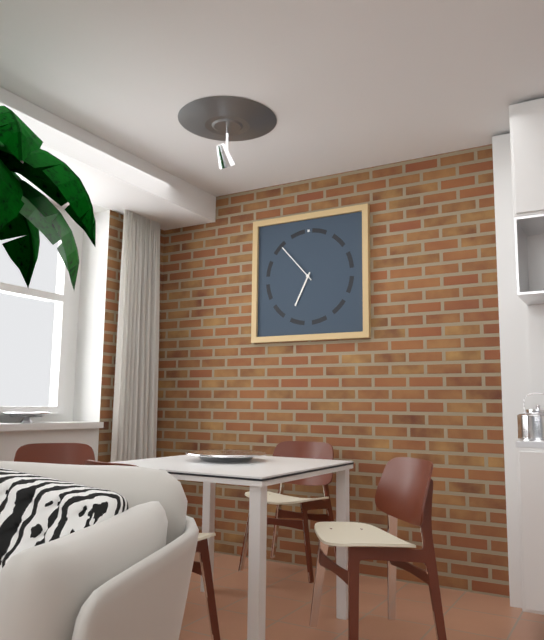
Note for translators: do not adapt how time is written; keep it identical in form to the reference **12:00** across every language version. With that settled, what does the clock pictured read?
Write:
**6:53**
